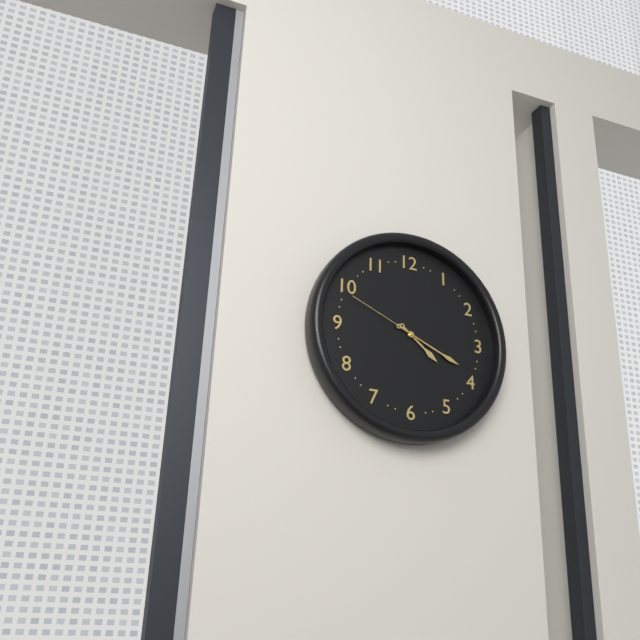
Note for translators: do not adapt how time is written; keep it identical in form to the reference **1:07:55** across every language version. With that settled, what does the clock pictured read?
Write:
**4:19:49**
